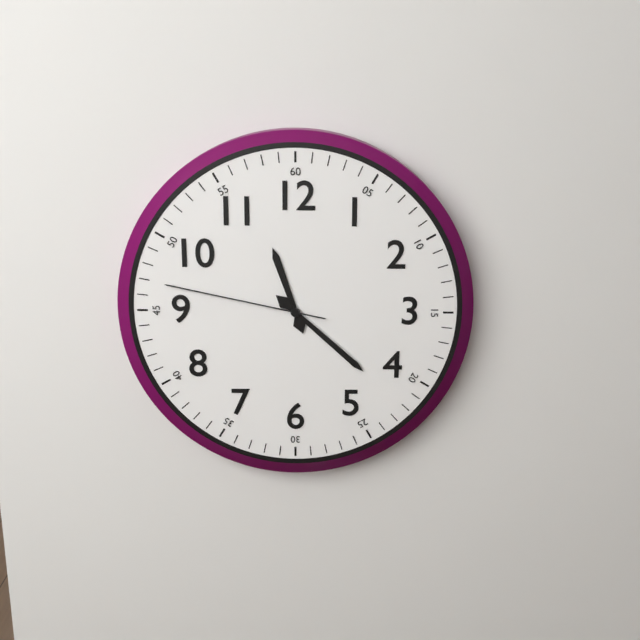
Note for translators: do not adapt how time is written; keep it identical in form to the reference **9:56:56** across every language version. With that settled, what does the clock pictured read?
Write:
**11:22:47**
